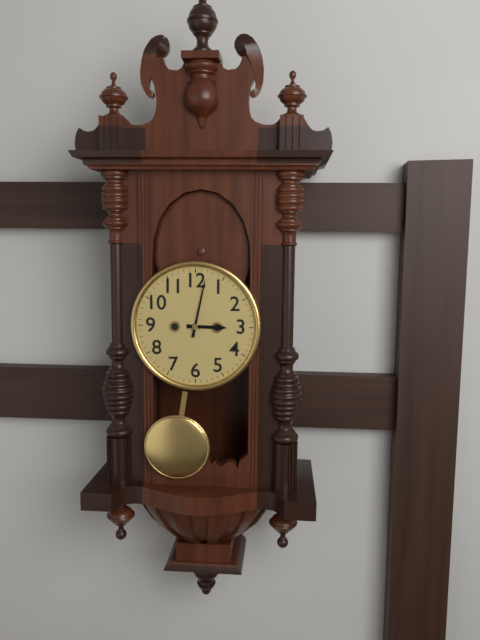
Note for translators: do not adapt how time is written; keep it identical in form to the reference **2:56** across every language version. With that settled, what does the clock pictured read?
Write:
**3:02**
